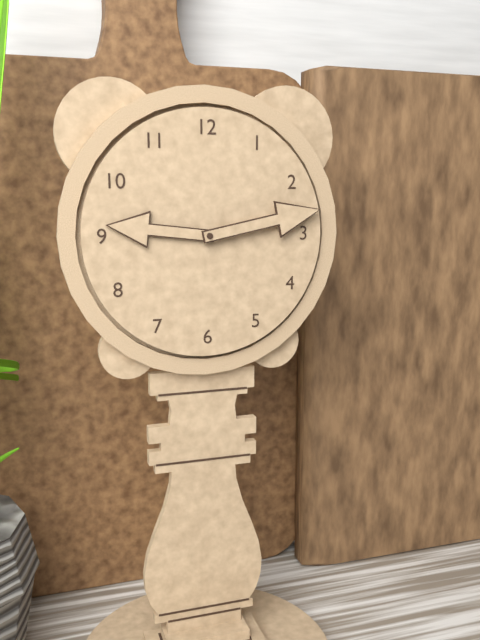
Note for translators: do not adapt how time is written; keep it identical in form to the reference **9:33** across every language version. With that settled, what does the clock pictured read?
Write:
**9:13**
